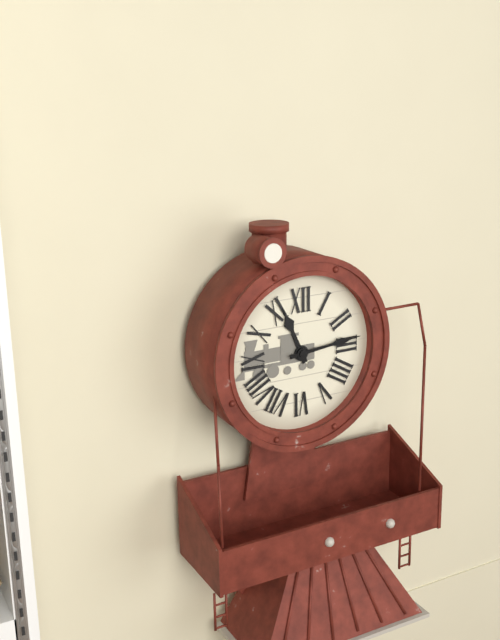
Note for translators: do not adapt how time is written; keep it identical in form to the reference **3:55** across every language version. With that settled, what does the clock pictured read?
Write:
**11:14**
